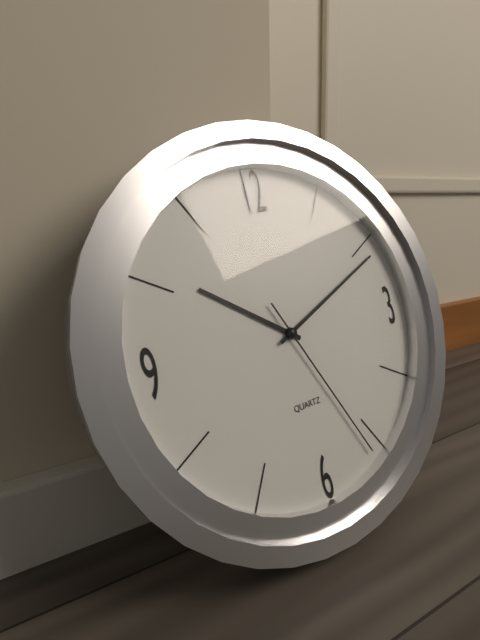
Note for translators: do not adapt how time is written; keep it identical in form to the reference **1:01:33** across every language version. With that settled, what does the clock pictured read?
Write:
**10:11:26**
